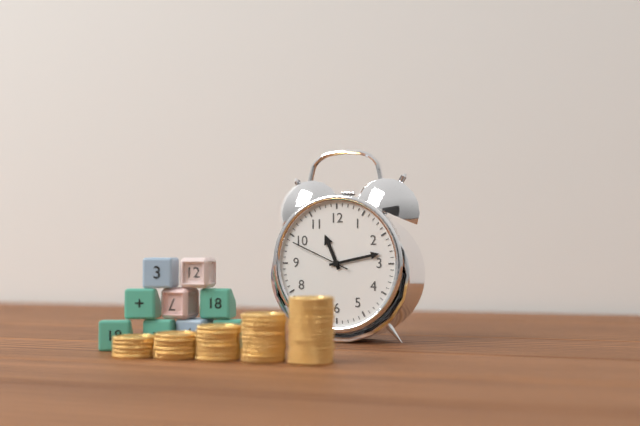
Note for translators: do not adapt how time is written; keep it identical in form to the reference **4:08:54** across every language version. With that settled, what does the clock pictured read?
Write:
**11:13:49**
